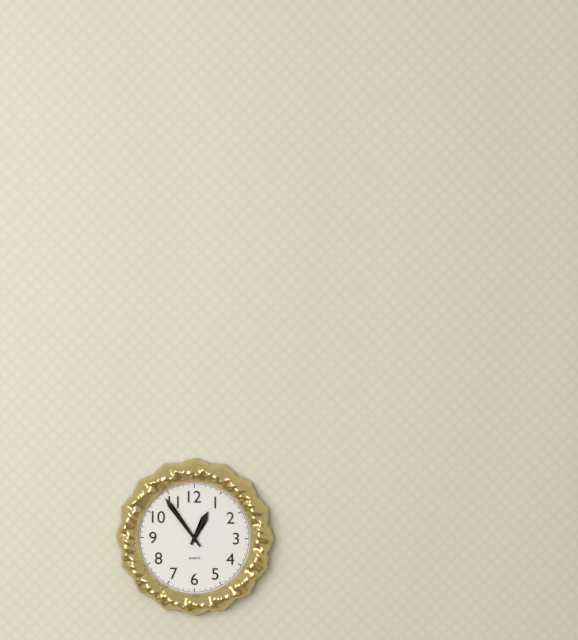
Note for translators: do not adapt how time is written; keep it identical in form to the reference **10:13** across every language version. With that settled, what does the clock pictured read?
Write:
**12:54**
